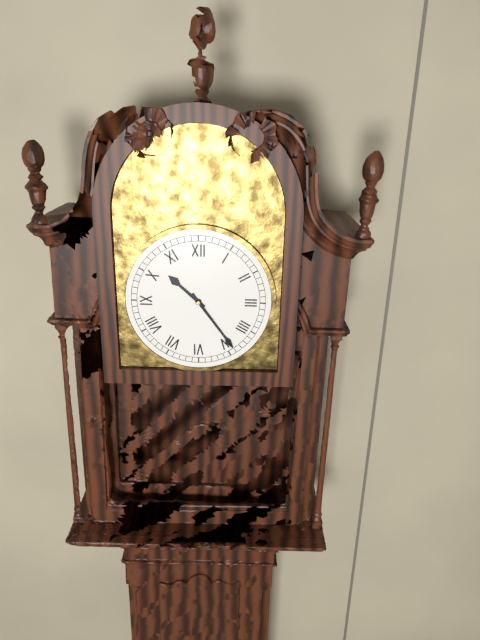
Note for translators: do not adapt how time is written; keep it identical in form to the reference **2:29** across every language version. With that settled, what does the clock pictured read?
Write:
**10:24**
